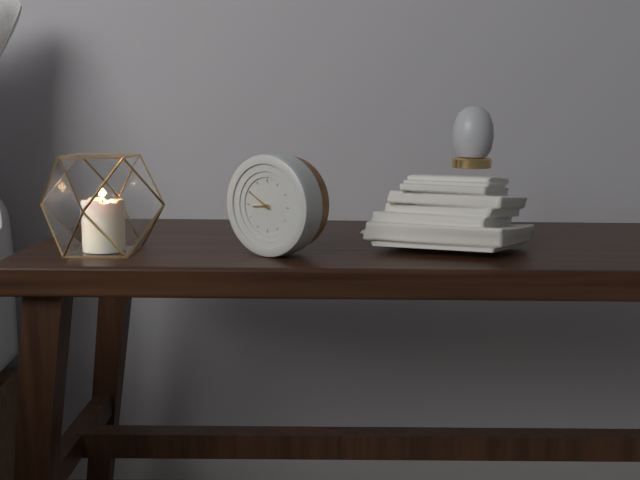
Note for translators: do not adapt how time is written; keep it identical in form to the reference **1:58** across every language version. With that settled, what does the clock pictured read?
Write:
**8:50**
